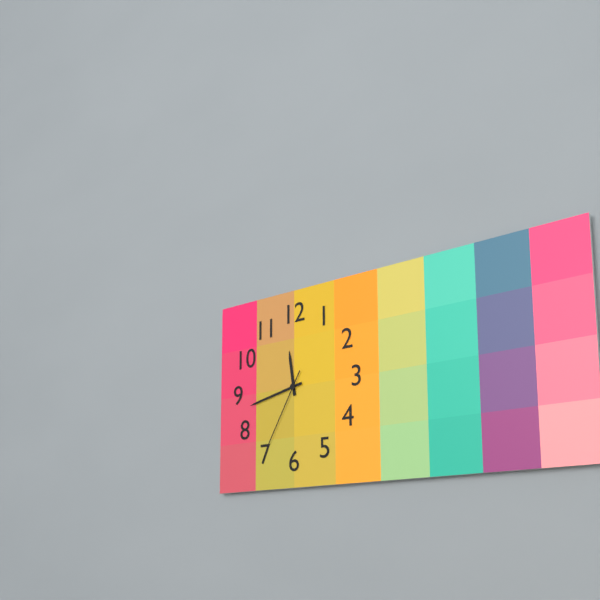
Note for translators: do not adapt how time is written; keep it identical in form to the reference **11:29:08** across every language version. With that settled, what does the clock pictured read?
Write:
**11:43:35**
